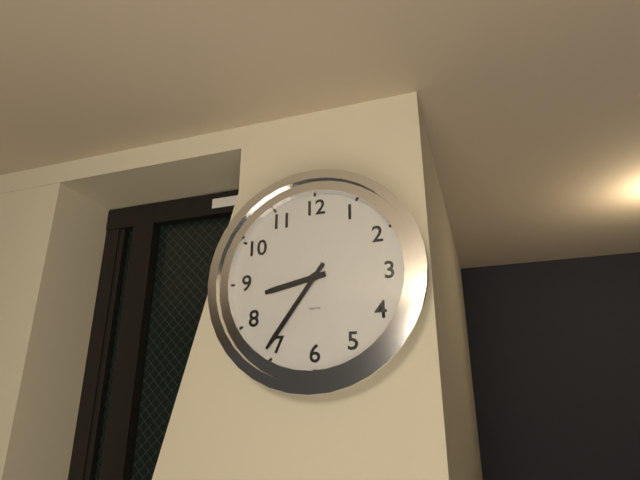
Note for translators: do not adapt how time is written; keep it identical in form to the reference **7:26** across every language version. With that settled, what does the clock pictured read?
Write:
**8:36**
